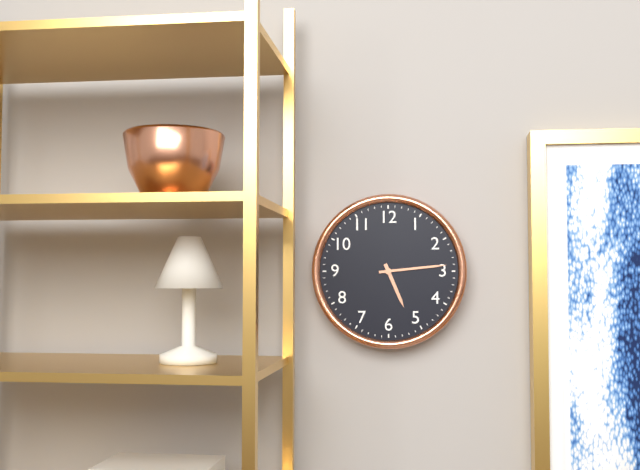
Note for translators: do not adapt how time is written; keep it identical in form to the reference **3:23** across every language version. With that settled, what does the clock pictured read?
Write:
**5:14**
